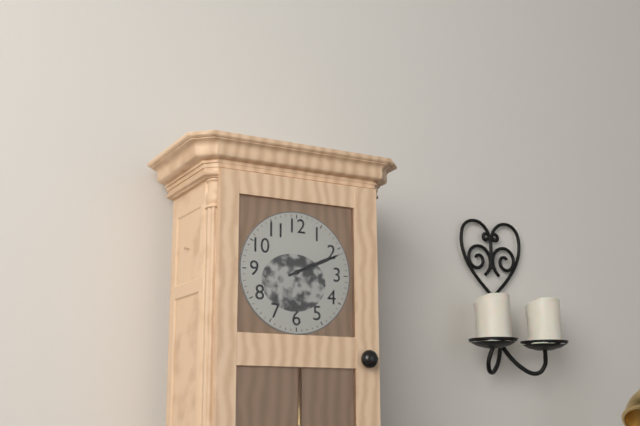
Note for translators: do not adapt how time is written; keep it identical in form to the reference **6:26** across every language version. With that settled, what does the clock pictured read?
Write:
**2:11**
